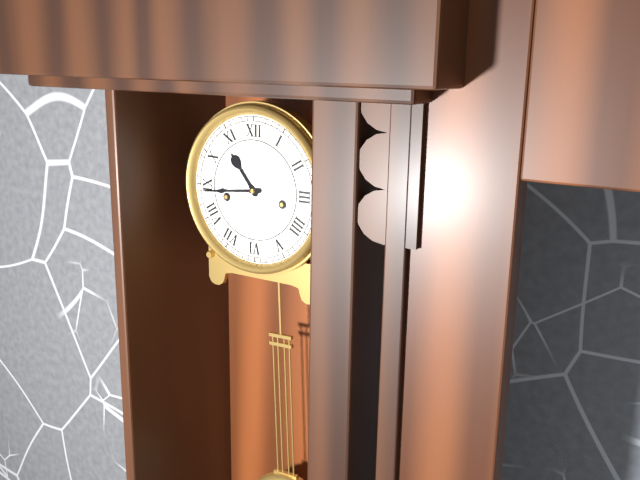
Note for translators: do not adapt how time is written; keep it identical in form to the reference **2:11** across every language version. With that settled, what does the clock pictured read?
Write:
**10:44**
